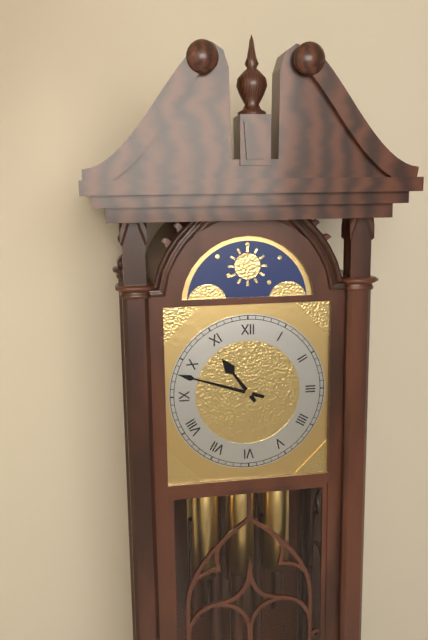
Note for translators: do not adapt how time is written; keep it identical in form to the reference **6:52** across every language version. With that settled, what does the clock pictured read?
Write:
**10:48**
